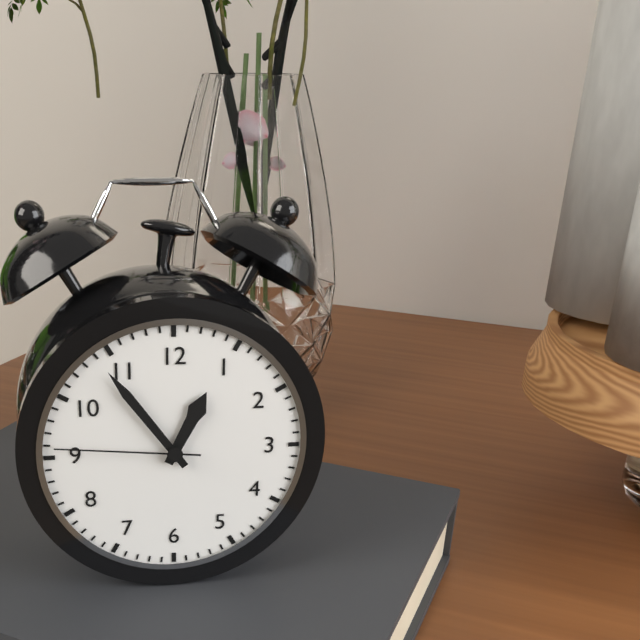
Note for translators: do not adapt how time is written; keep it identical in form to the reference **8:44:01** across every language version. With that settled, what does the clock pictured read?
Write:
**12:54:46**
